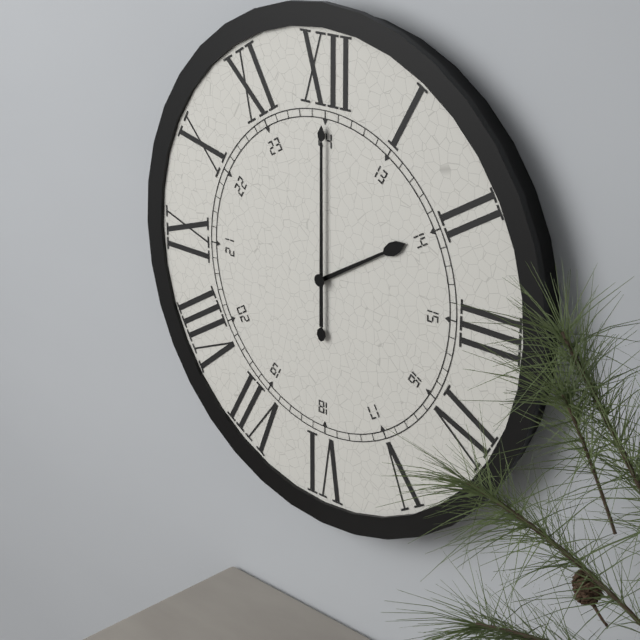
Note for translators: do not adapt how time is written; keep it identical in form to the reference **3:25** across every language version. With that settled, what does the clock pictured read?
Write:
**2:00**
